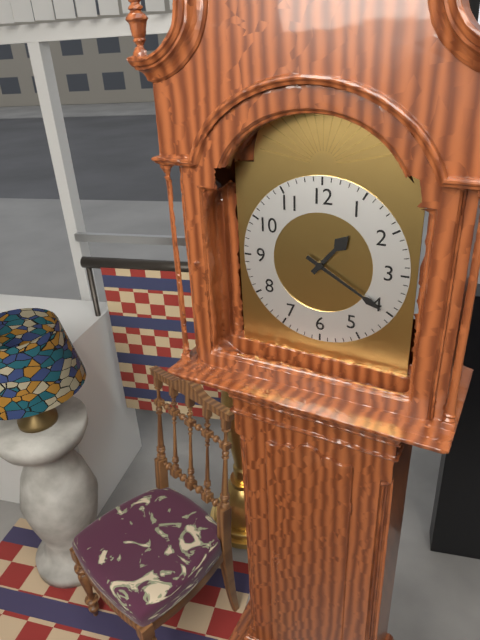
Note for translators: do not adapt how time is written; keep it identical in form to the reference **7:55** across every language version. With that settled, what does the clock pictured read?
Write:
**1:20**
